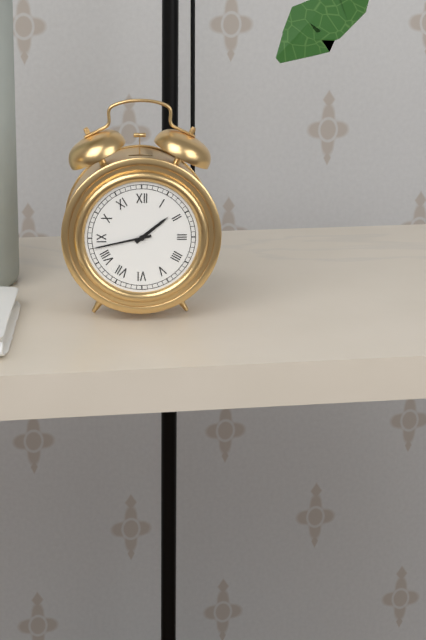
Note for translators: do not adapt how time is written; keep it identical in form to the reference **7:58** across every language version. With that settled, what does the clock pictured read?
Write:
**1:43**
